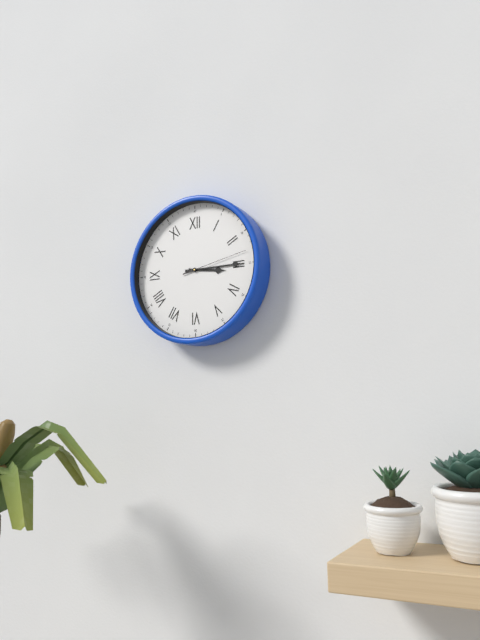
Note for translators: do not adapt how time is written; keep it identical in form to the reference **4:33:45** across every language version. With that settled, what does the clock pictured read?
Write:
**3:15:13**
